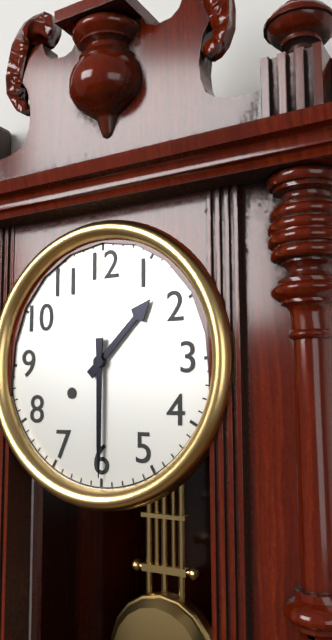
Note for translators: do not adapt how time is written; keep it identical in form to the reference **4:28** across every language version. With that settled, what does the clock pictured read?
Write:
**1:30**
